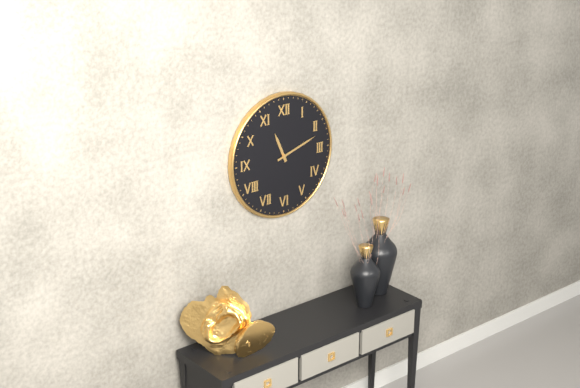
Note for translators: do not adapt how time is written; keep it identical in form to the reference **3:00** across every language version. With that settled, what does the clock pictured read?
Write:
**11:12**
